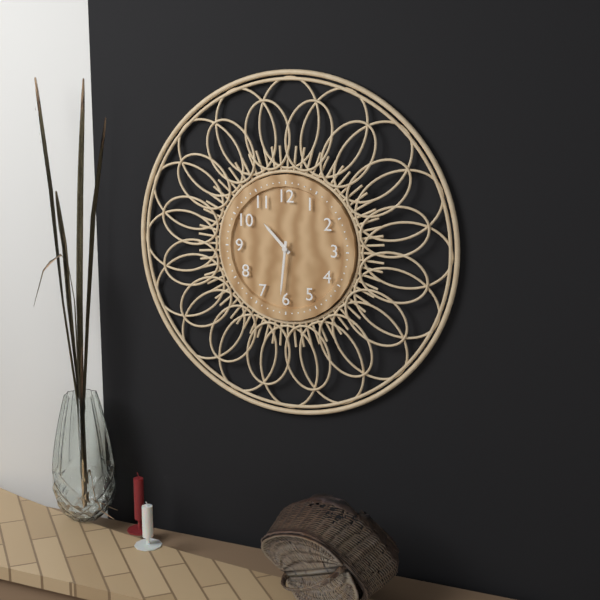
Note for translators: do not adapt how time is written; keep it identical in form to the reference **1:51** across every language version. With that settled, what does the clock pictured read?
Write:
**10:31**
